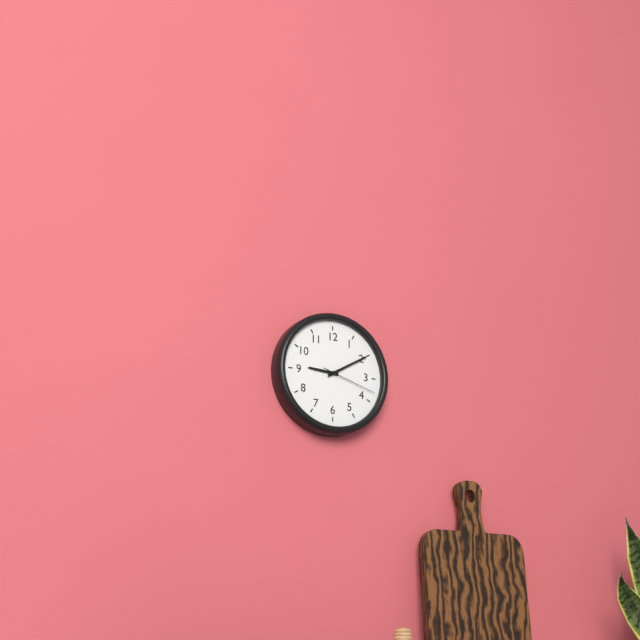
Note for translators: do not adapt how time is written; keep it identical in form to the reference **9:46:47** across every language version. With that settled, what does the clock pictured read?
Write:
**9:10:18**
